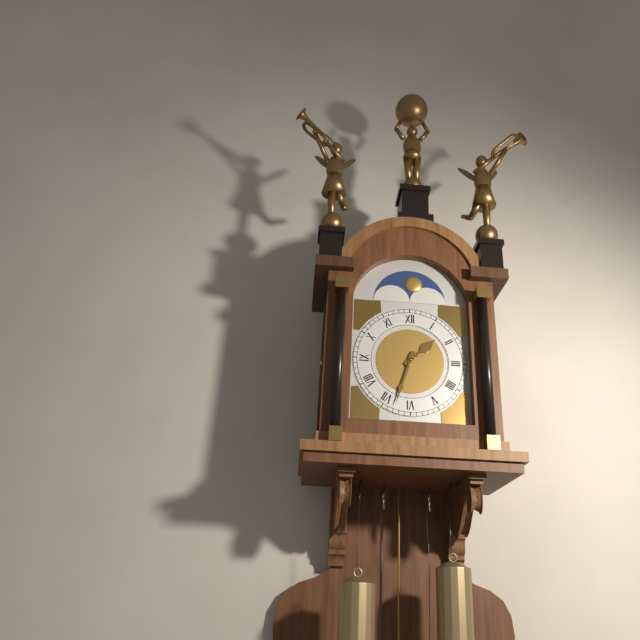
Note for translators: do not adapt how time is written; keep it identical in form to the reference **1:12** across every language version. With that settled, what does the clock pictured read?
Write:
**1:33**
